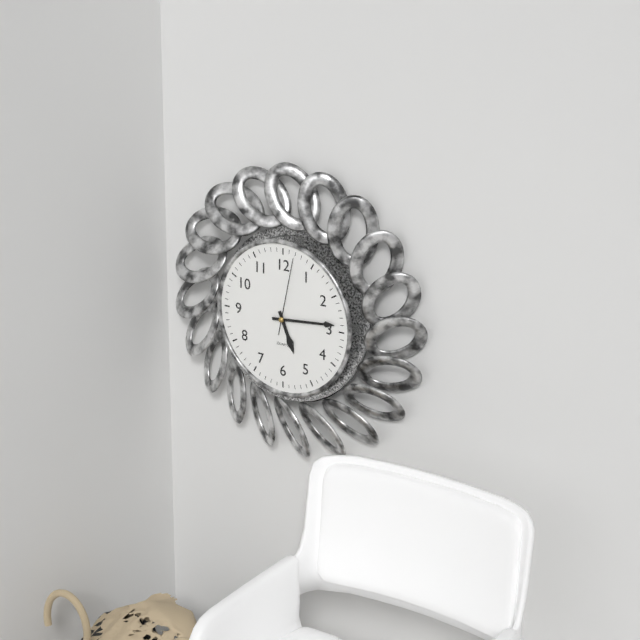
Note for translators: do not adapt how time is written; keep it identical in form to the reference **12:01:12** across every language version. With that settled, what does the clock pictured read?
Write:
**5:14:02**
